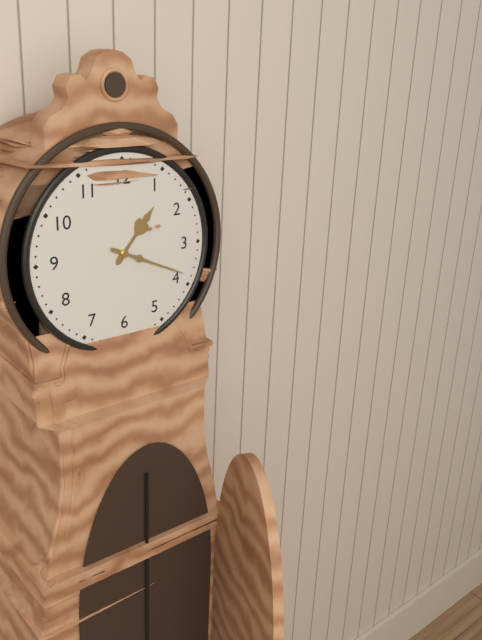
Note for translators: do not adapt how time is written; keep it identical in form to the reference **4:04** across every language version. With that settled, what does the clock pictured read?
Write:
**1:19**
